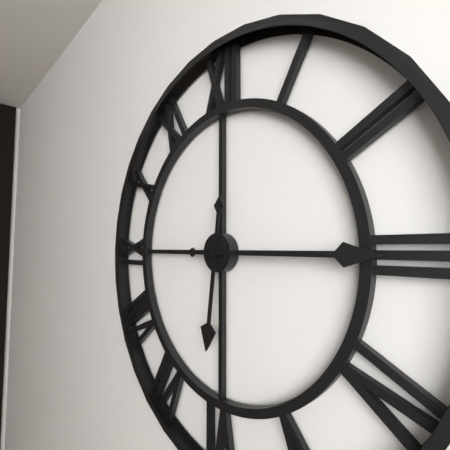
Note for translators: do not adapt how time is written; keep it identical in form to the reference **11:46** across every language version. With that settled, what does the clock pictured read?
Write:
**6:15**
